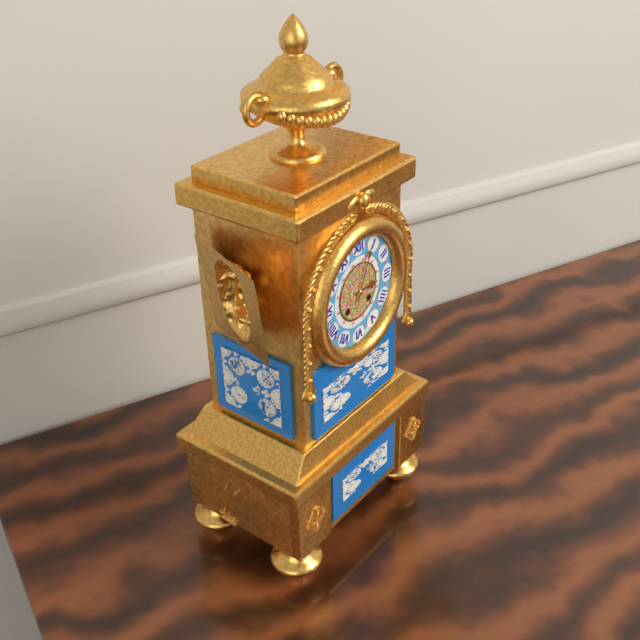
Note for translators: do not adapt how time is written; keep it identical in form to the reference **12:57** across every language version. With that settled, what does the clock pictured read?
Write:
**3:04**
